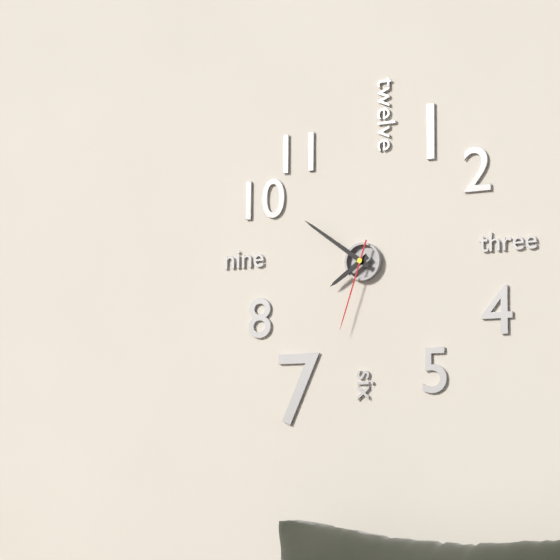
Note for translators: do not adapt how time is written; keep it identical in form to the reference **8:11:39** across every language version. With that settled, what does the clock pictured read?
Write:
**7:51:33**
